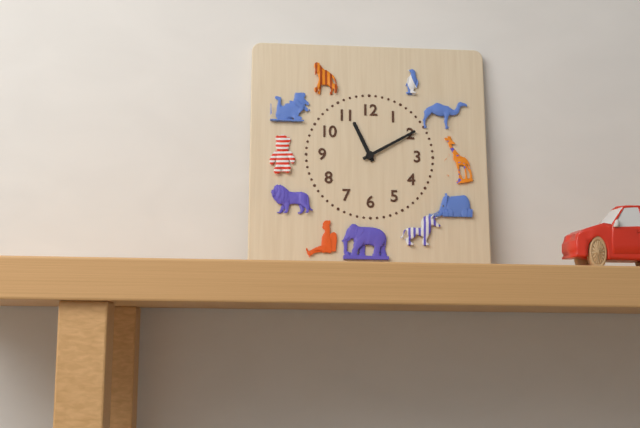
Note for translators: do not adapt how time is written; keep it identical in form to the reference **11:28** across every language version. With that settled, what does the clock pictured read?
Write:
**11:10**
